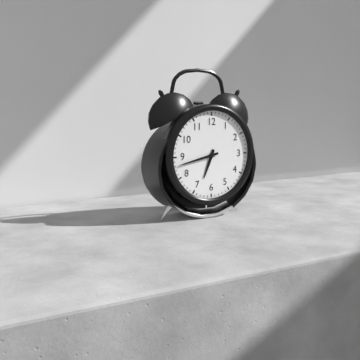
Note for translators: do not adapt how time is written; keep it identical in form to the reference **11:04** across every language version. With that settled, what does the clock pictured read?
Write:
**6:43**
